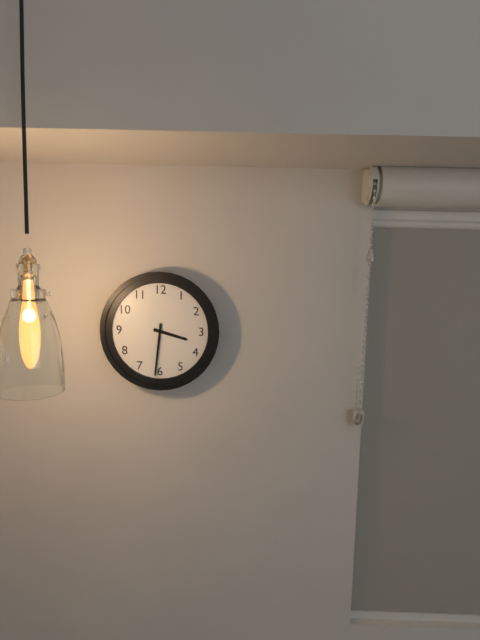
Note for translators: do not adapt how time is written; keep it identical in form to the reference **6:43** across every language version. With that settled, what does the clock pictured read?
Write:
**3:31**
